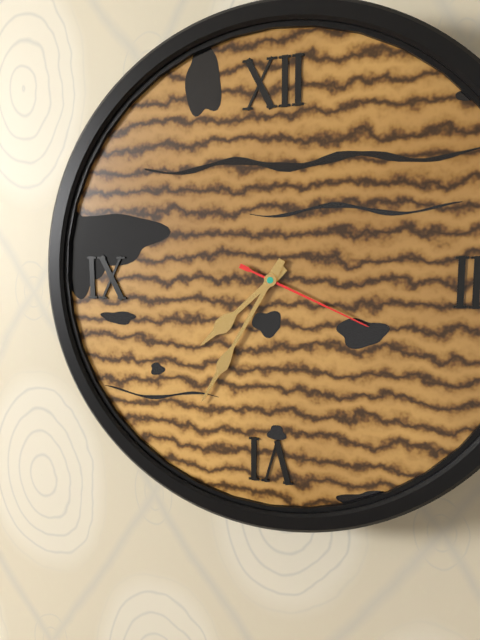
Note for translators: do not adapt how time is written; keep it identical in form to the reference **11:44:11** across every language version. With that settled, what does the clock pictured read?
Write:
**7:35:19**
